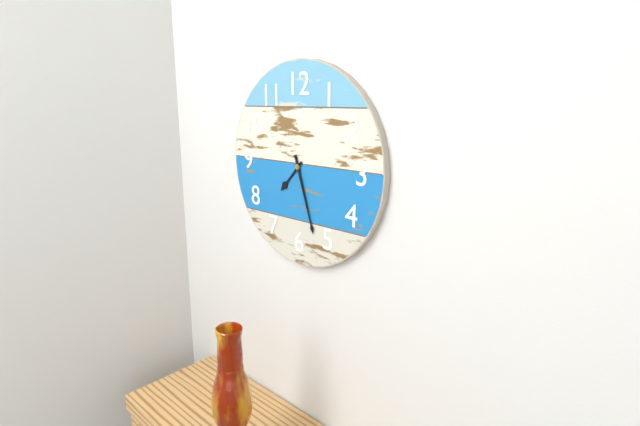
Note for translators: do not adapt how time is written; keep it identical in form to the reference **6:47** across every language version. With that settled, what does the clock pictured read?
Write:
**7:27**
